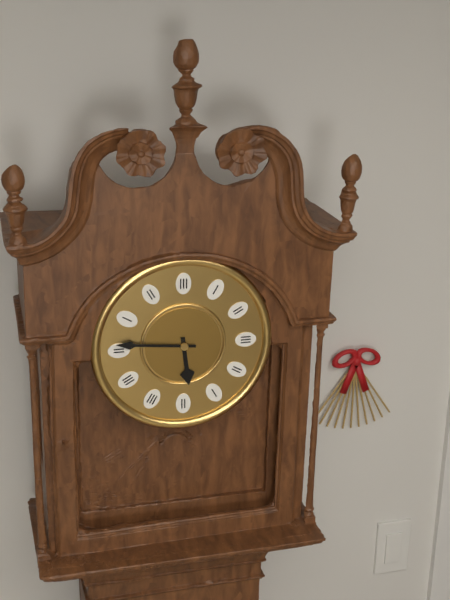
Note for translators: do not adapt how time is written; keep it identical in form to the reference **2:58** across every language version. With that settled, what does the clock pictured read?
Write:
**5:46**
